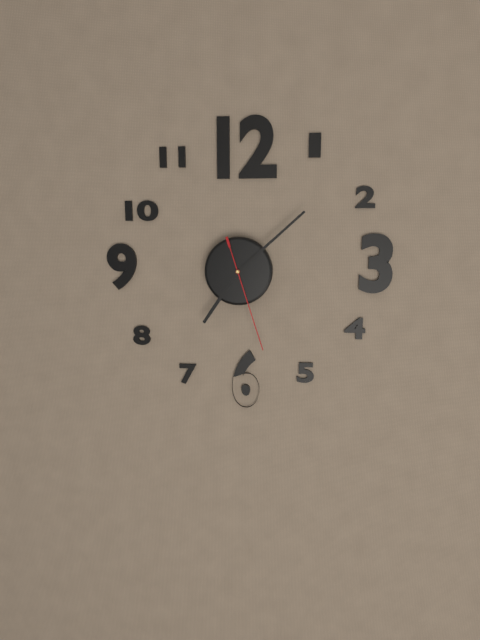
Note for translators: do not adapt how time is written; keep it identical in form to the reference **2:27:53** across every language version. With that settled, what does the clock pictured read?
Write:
**7:08:27**
